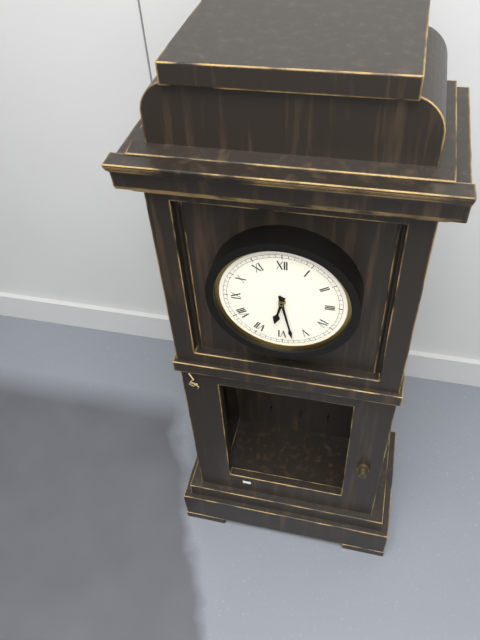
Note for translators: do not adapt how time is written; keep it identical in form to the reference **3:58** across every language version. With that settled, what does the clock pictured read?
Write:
**6:28**
